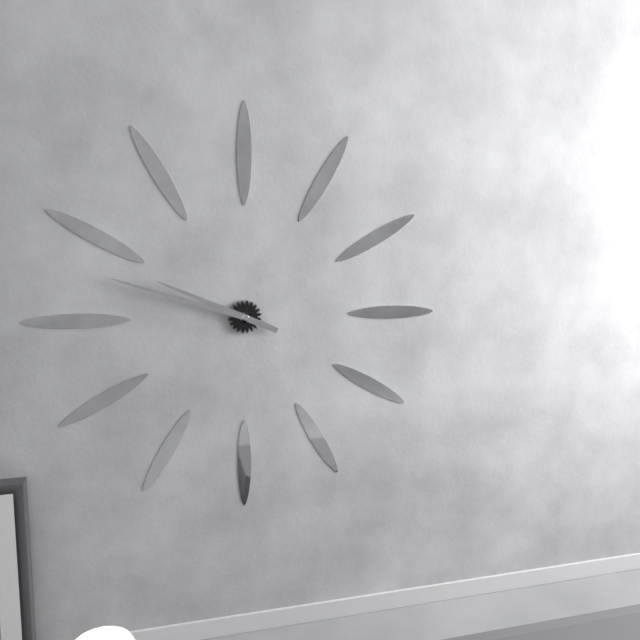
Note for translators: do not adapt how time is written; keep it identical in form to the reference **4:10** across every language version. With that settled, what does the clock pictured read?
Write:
**9:48**
